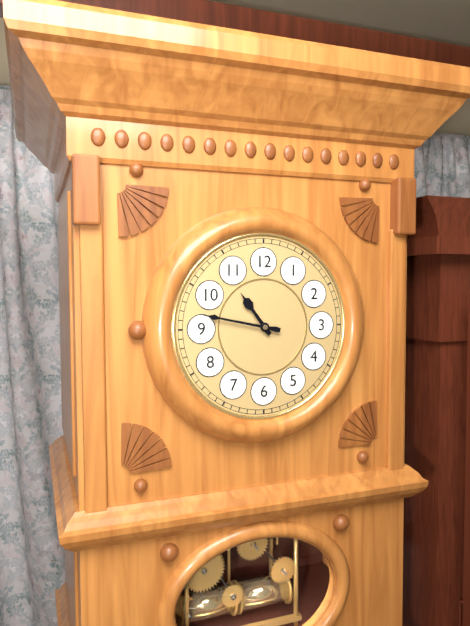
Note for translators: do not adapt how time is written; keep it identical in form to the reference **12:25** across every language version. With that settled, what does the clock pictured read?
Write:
**10:47**
